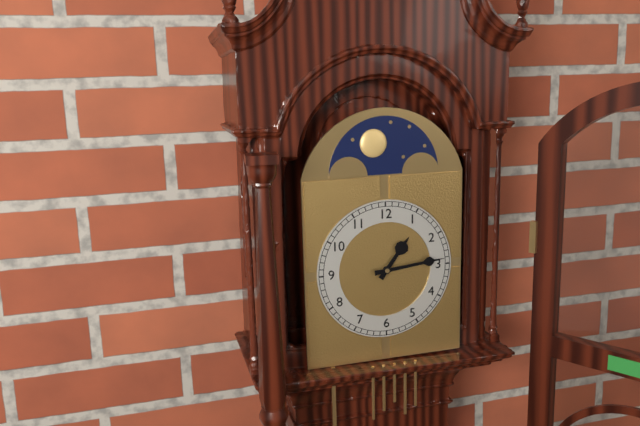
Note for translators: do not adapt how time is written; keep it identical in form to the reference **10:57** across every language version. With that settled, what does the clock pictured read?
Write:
**1:14**
